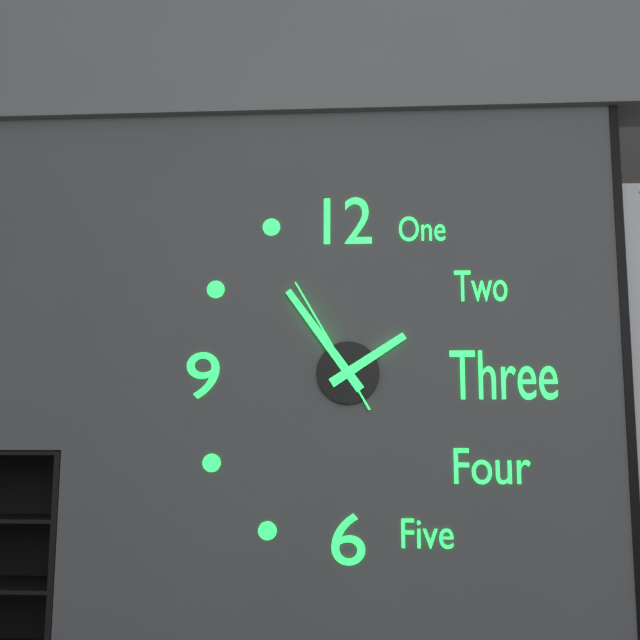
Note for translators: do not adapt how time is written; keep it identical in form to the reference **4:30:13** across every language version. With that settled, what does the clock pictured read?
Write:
**1:54:55**
